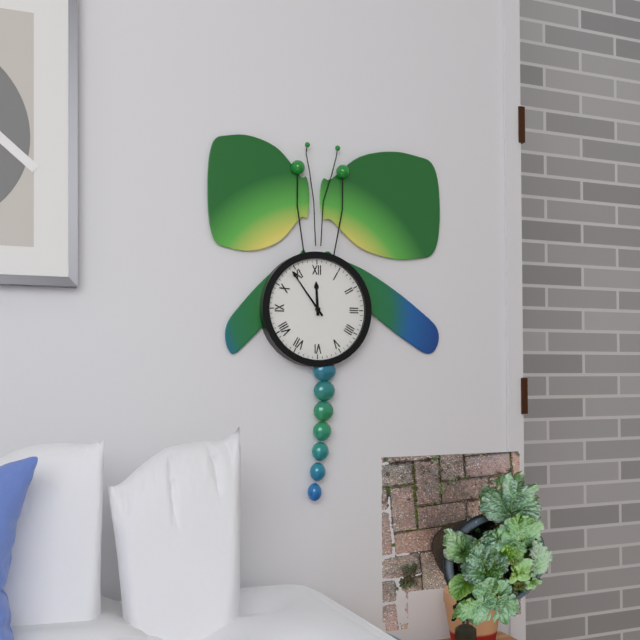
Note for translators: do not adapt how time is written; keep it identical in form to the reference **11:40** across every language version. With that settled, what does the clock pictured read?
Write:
**11:54**
